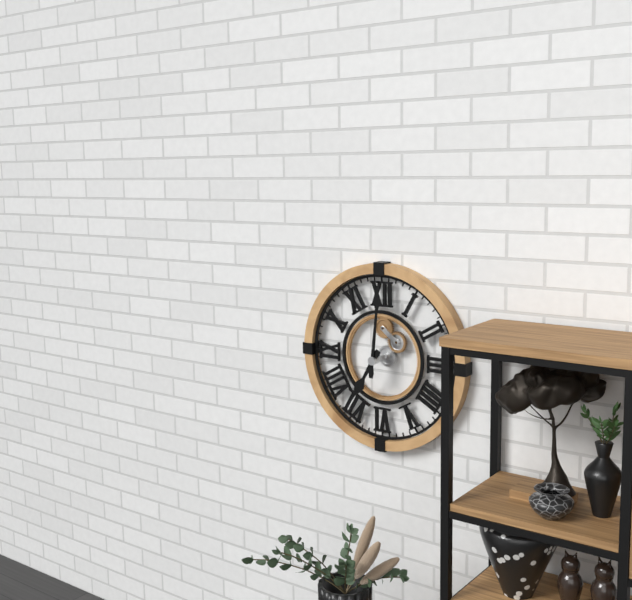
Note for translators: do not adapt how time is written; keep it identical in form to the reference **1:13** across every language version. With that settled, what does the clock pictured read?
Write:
**7:01**
